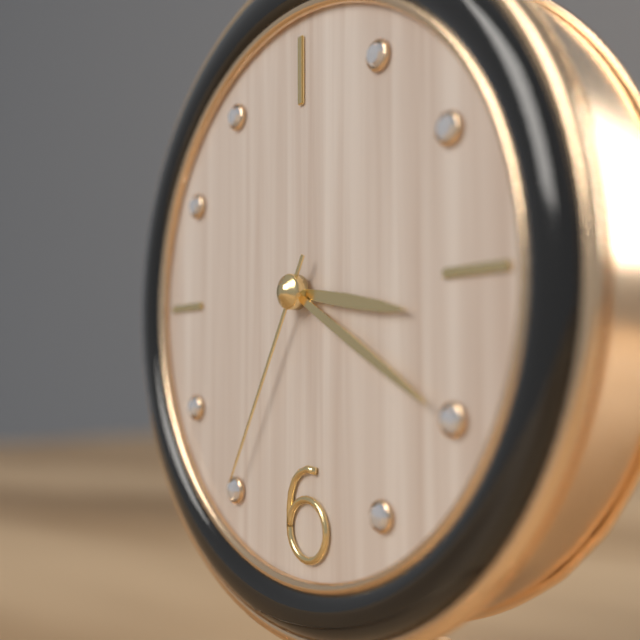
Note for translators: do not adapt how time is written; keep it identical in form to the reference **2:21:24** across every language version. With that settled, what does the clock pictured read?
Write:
**3:20:35**
